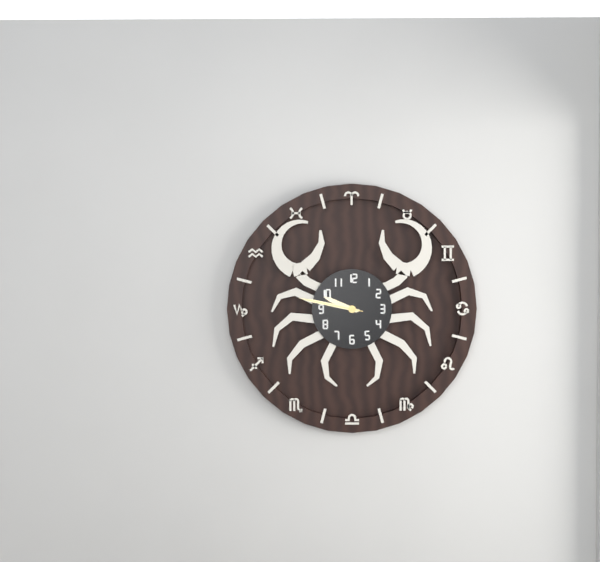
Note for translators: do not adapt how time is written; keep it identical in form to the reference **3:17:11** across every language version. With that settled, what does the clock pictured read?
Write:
**9:47:47**
